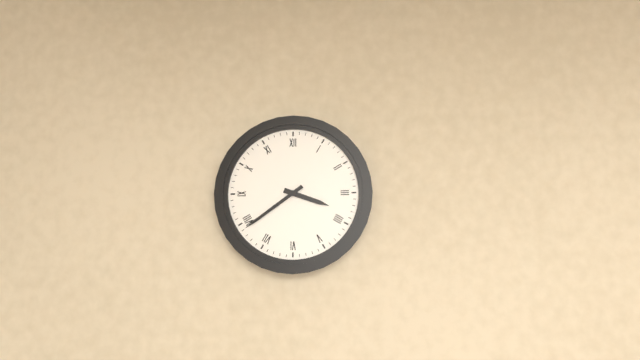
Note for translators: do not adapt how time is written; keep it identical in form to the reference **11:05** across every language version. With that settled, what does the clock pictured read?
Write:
**3:39**
